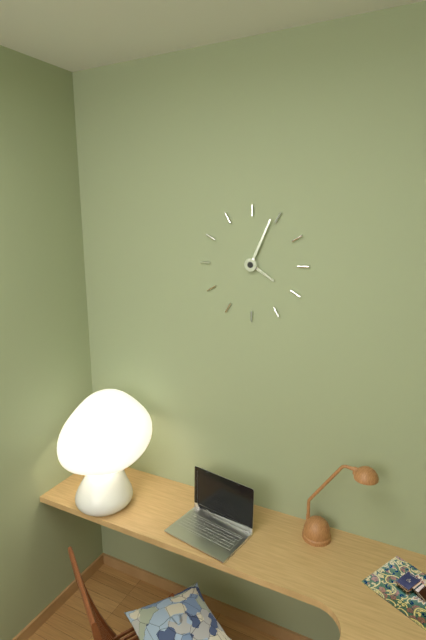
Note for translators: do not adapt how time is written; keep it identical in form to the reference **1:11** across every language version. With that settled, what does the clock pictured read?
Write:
**4:04**
